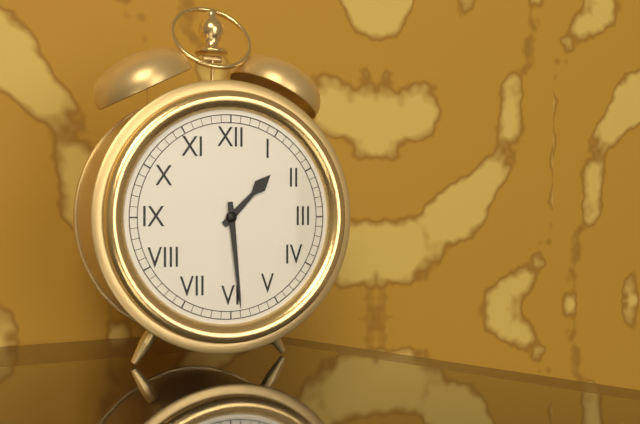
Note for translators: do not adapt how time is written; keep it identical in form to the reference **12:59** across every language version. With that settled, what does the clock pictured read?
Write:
**1:29**
